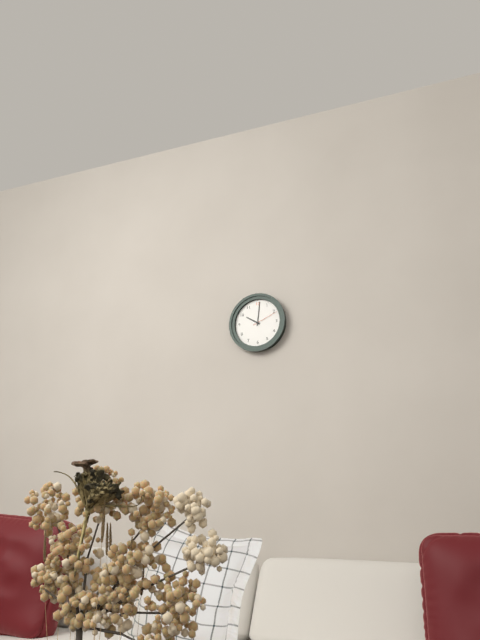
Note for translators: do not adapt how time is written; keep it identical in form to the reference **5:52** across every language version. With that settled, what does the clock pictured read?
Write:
**10:01**
